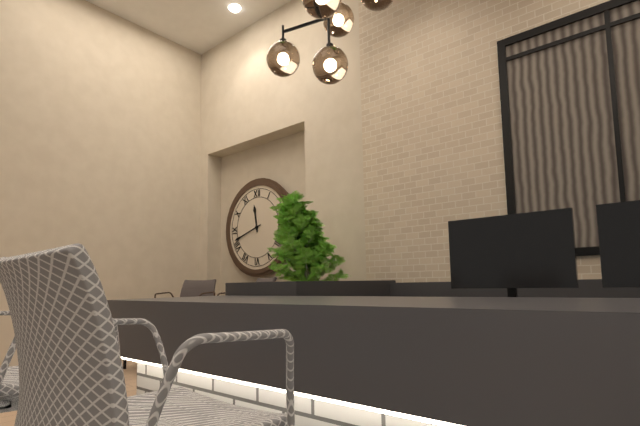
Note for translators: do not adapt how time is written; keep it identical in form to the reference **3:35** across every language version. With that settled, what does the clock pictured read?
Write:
**11:42**
